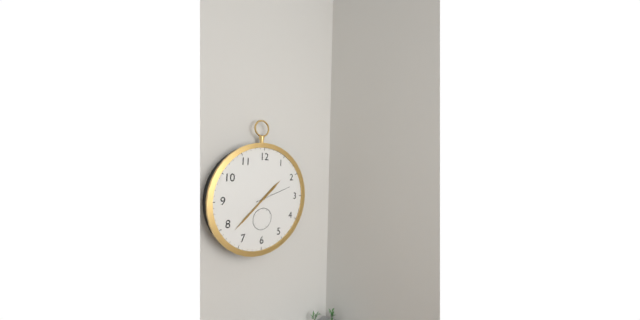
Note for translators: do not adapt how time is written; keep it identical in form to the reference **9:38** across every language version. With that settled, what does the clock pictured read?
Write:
**1:38**
